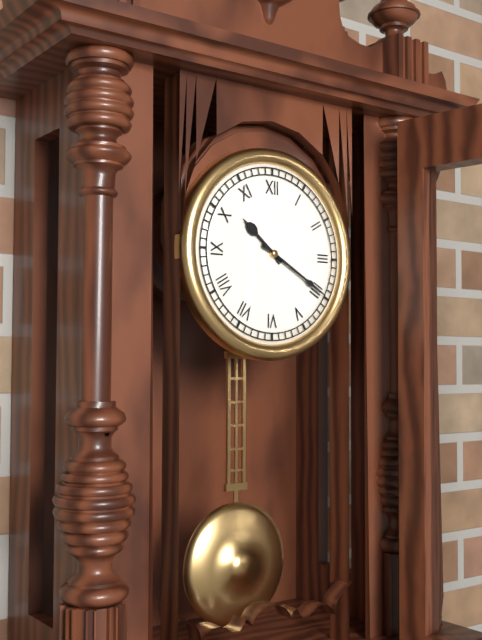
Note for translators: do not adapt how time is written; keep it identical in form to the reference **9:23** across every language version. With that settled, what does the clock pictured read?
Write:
**10:20**
